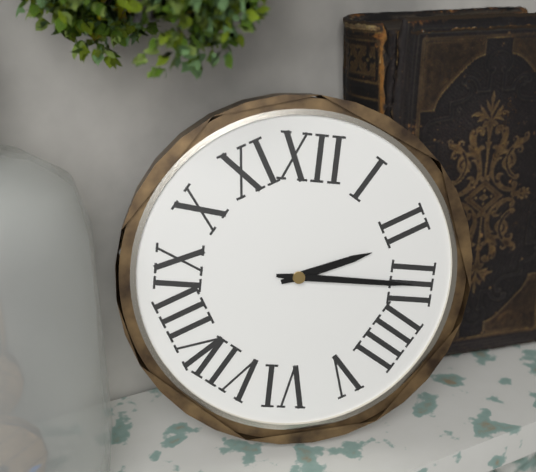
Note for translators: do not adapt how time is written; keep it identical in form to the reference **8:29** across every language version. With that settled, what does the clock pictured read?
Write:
**2:15**
